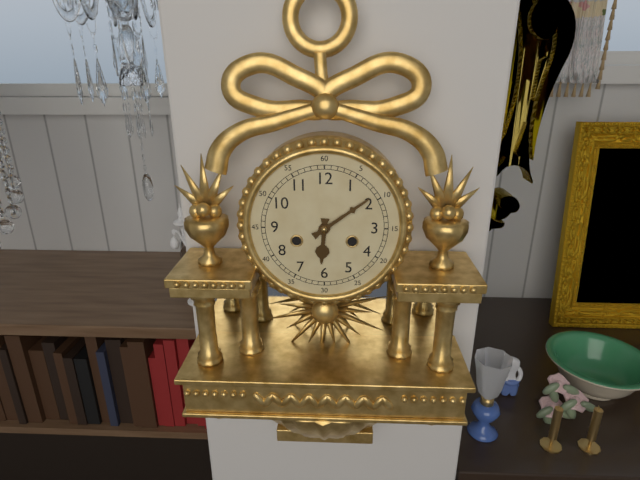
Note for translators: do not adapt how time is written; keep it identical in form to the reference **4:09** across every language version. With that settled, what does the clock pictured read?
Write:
**6:09**
